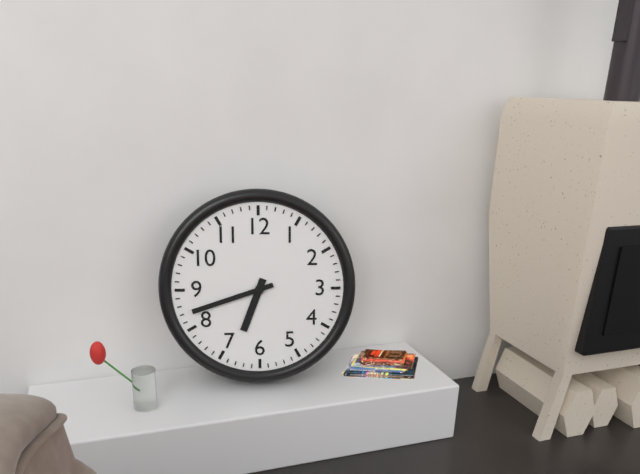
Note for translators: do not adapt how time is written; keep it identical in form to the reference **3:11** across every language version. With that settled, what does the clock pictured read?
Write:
**6:42**
